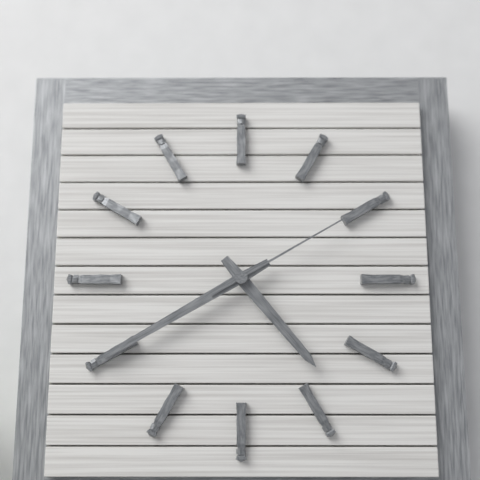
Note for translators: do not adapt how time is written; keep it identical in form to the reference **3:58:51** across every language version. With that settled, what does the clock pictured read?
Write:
**4:40:10**
